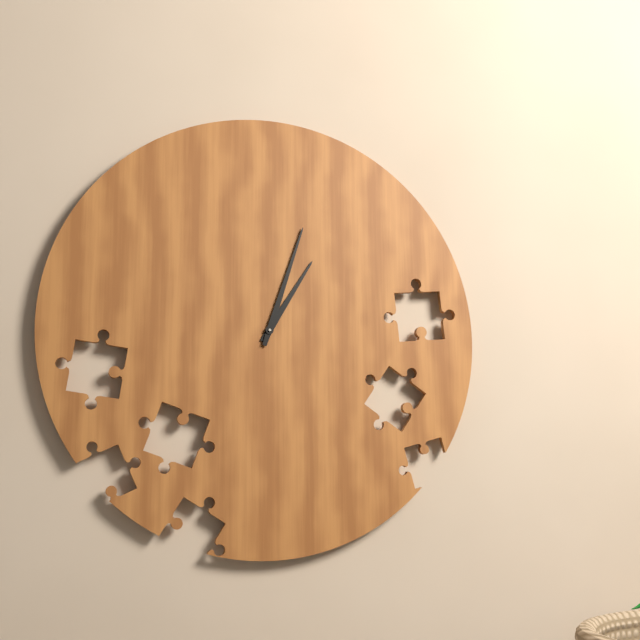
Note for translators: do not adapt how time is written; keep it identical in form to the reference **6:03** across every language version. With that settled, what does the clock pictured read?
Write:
**1:03**
